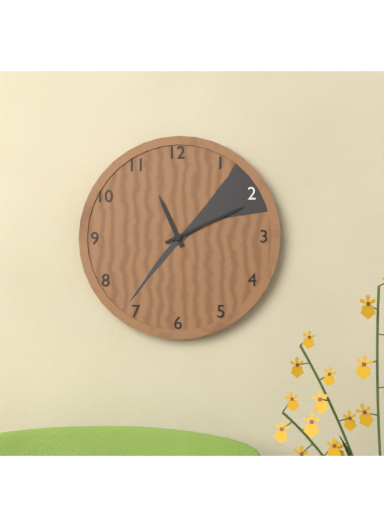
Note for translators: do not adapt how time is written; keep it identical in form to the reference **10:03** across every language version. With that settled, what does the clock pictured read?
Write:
**11:11**
